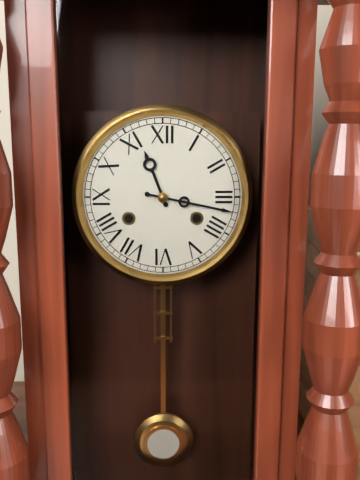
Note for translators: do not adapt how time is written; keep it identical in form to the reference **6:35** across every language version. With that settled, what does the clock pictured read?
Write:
**11:17**
